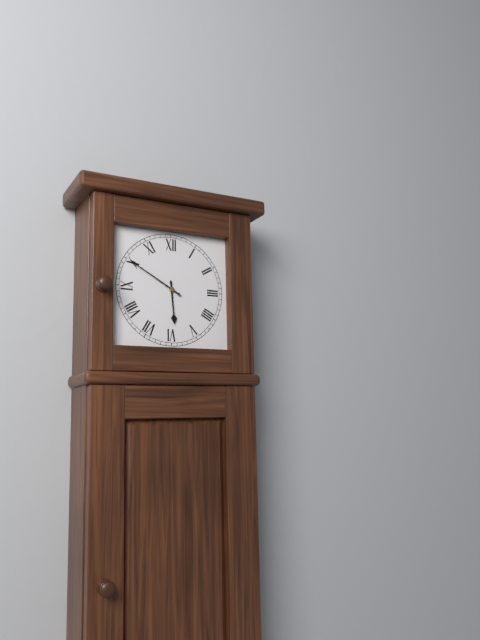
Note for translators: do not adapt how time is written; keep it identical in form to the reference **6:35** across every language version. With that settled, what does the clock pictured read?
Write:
**5:50**
